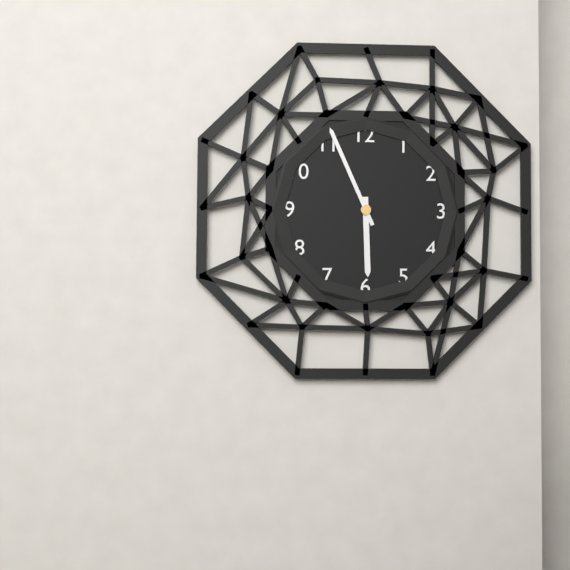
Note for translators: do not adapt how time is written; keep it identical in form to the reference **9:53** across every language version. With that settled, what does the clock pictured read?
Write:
**5:56**
